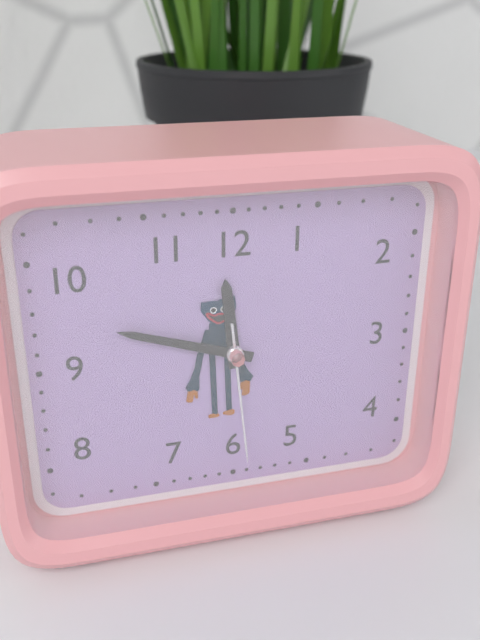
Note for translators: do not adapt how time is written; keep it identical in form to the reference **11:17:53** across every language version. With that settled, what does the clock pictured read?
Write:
**11:48:29**
